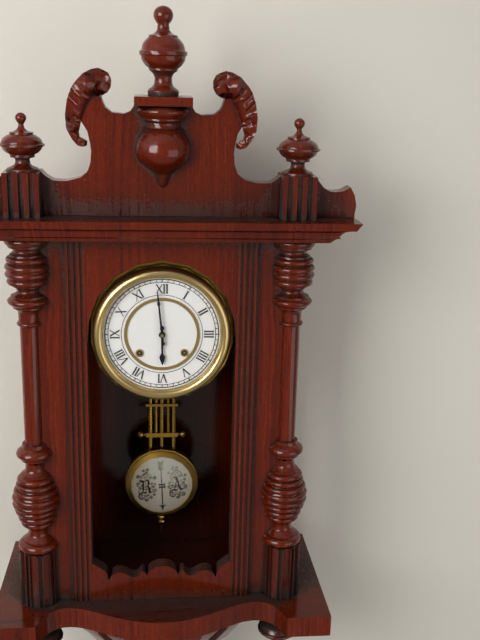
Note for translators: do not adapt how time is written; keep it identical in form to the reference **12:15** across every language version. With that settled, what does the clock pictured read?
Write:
**5:59**
